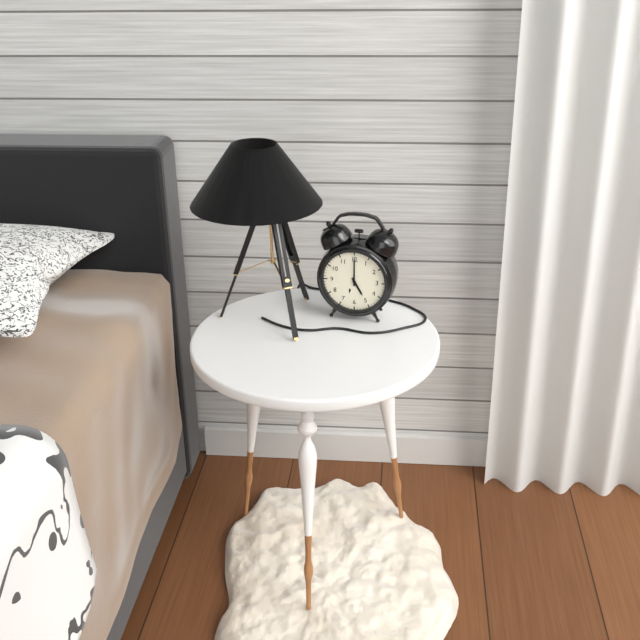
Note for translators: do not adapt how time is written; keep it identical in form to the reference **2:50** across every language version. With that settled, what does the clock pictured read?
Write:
**5:00**
